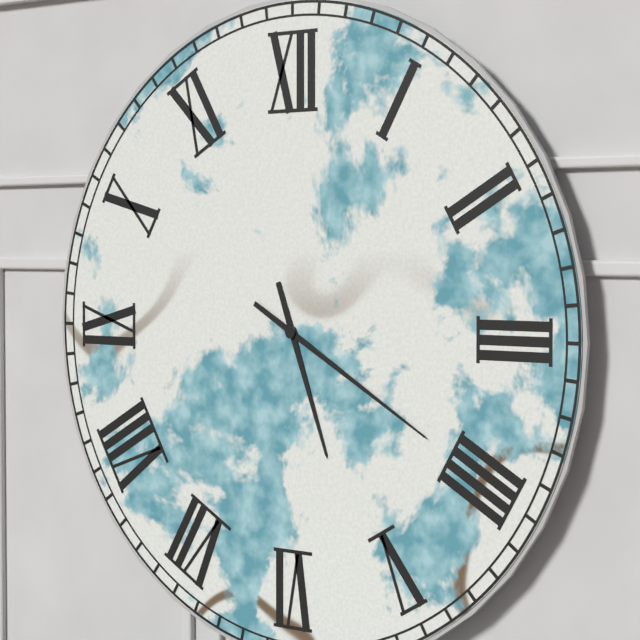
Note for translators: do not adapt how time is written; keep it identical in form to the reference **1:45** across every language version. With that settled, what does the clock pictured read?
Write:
**5:20**
